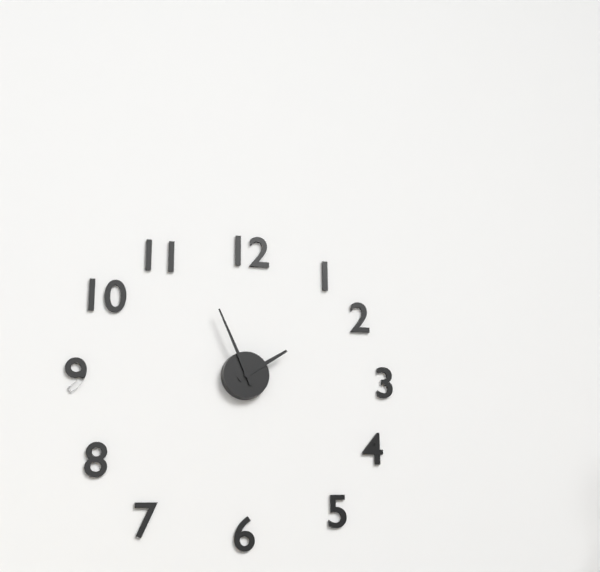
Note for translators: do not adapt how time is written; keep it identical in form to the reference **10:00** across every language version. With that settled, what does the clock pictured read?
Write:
**1:56**
